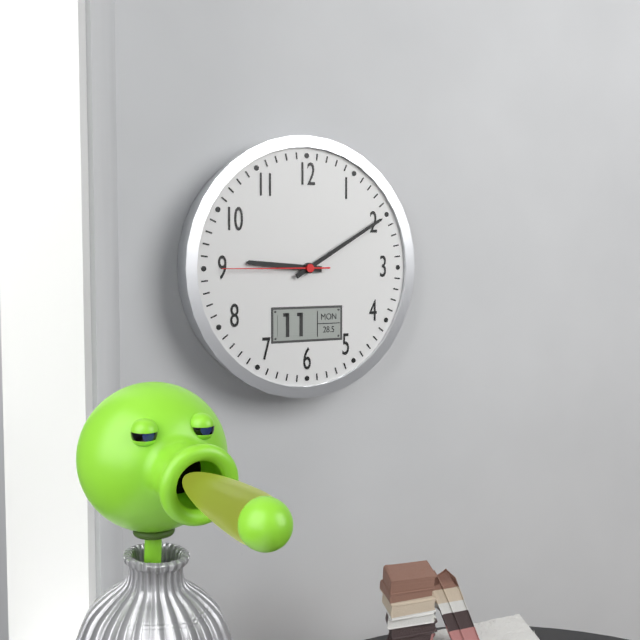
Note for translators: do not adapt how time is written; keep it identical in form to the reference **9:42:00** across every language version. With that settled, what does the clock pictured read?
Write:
**9:10:45**
